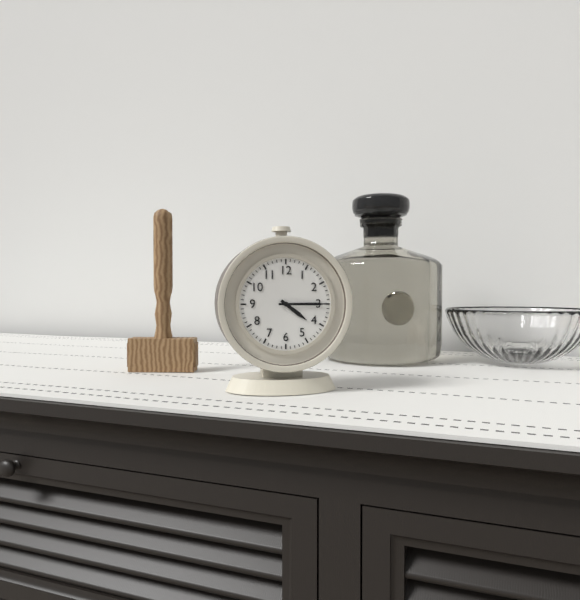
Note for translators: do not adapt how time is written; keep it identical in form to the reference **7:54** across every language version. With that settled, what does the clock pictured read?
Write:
**4:15**
